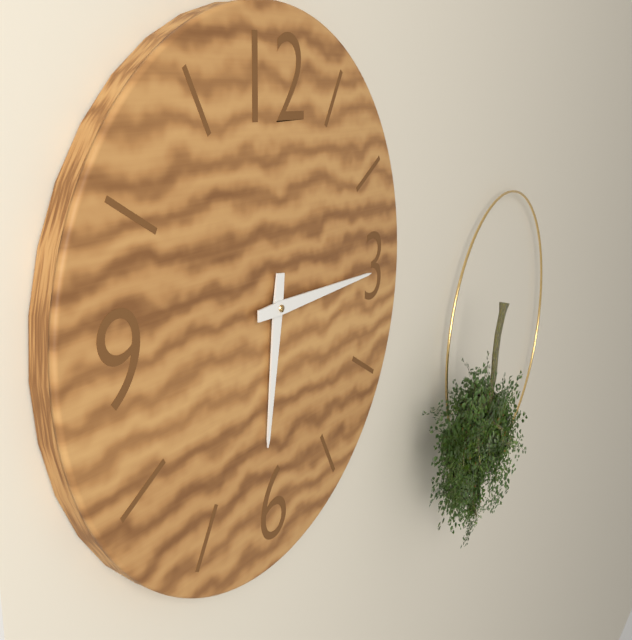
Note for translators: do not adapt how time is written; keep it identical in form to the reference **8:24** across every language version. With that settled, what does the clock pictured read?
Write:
**6:15**
